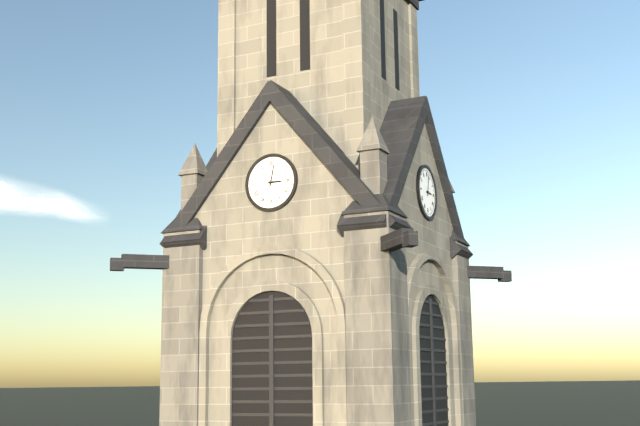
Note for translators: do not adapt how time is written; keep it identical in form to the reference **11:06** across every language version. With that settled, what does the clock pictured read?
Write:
**3:02**
